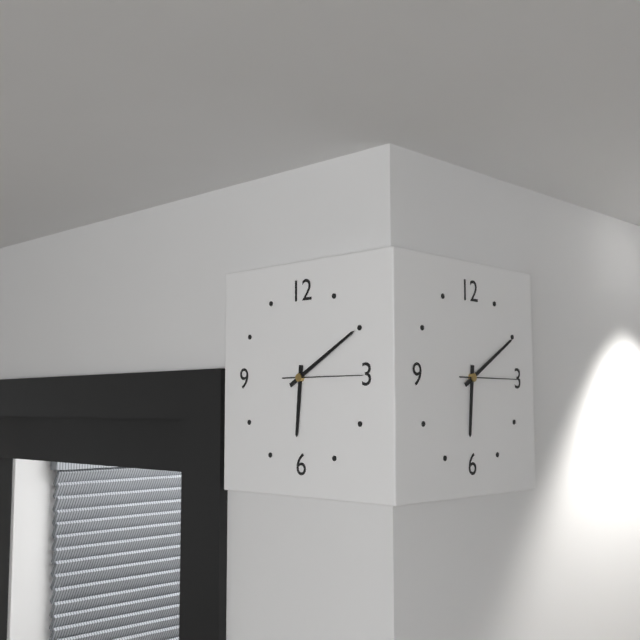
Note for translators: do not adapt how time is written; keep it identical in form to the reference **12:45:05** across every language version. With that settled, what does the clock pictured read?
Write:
**6:10:15**
